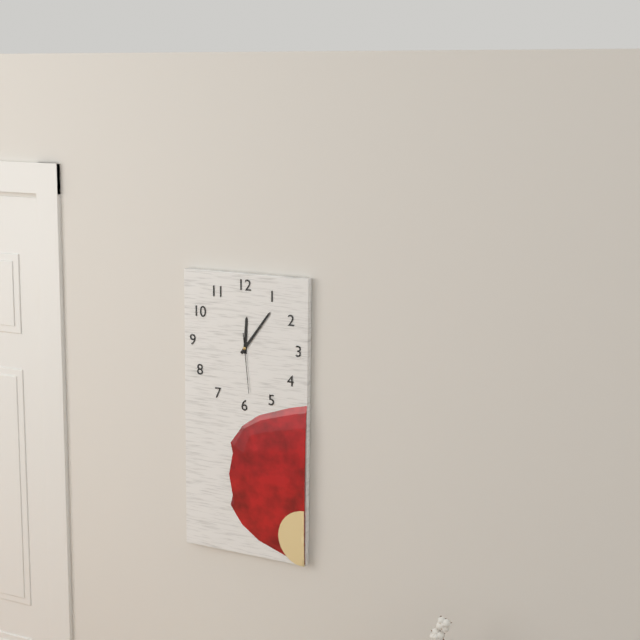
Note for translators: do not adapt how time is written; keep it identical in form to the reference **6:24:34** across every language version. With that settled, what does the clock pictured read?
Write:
**12:06:29**
